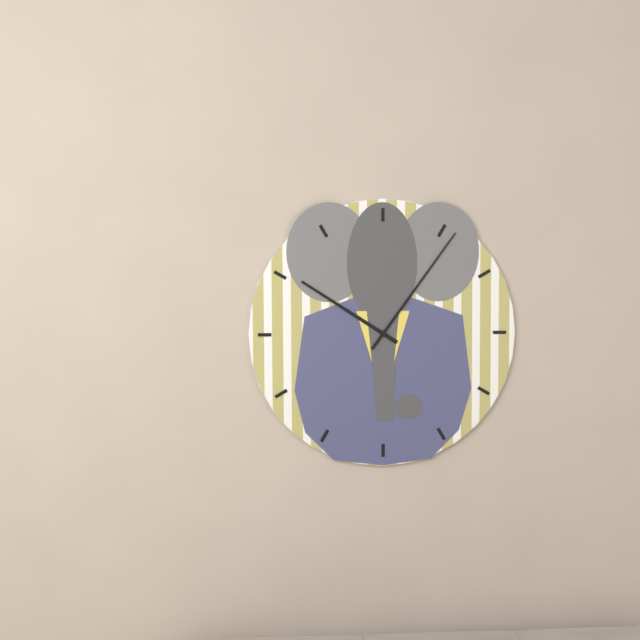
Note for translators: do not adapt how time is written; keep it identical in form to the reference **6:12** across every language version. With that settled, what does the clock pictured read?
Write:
**10:06**
